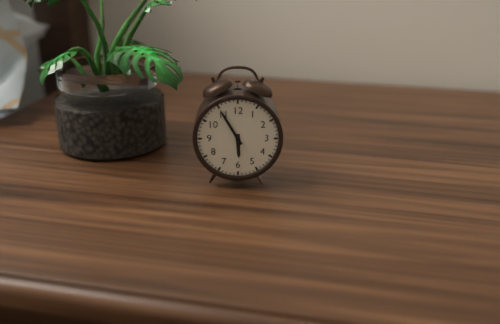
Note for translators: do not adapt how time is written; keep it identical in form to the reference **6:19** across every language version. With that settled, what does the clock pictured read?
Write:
**5:55**
